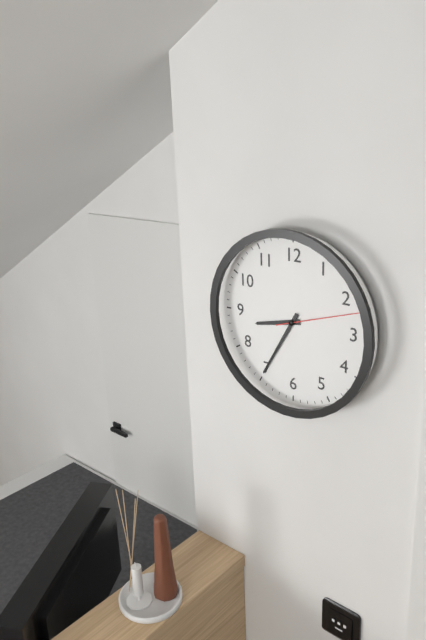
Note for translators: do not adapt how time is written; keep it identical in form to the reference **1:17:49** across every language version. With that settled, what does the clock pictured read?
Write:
**8:35:12**
